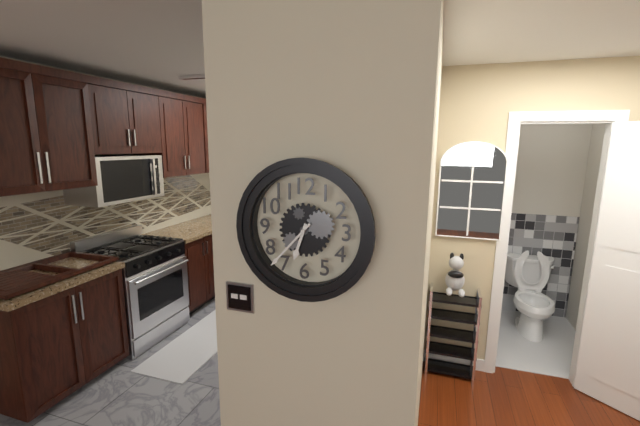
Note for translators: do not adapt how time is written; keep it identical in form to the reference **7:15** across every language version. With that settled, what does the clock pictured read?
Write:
**6:37**
